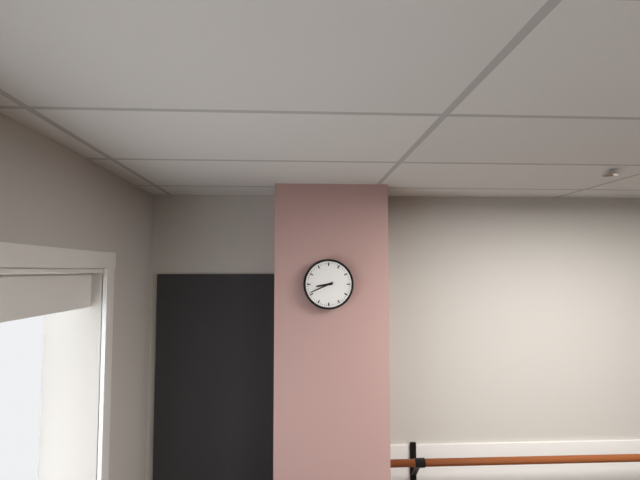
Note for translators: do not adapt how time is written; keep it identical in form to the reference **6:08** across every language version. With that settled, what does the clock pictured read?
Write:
**8:41**
